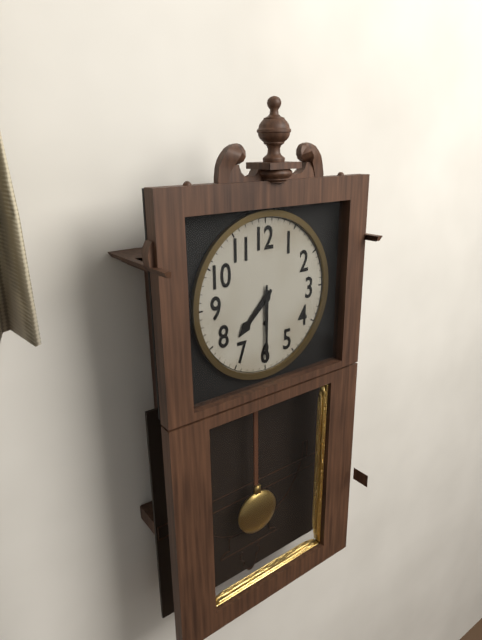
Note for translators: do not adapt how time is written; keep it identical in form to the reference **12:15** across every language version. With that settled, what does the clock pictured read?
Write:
**7:30**
